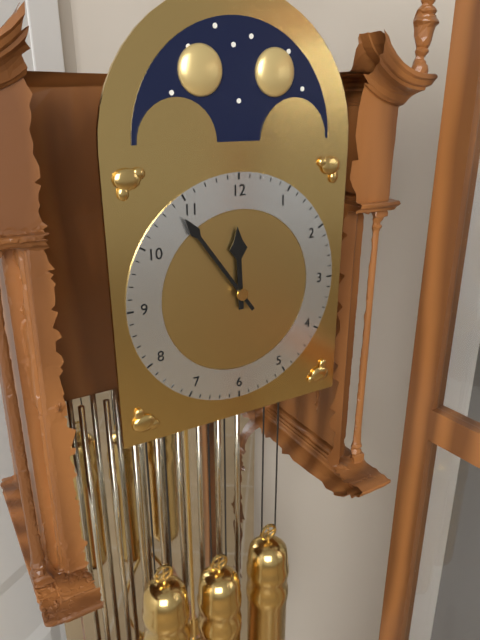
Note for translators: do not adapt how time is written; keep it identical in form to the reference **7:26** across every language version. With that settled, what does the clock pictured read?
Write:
**11:54**
